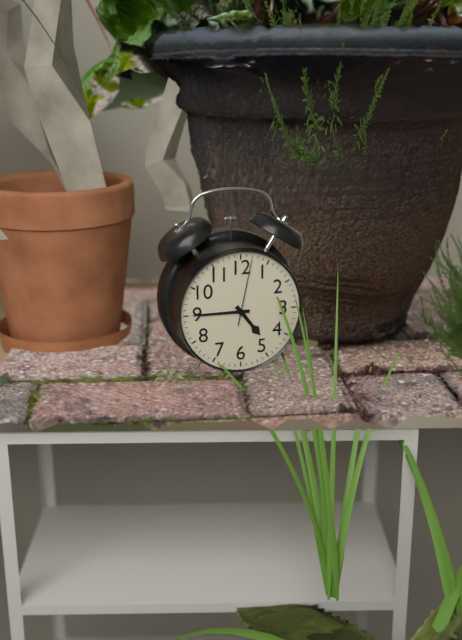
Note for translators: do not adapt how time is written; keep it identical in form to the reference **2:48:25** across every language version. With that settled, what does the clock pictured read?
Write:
**4:45:02**
